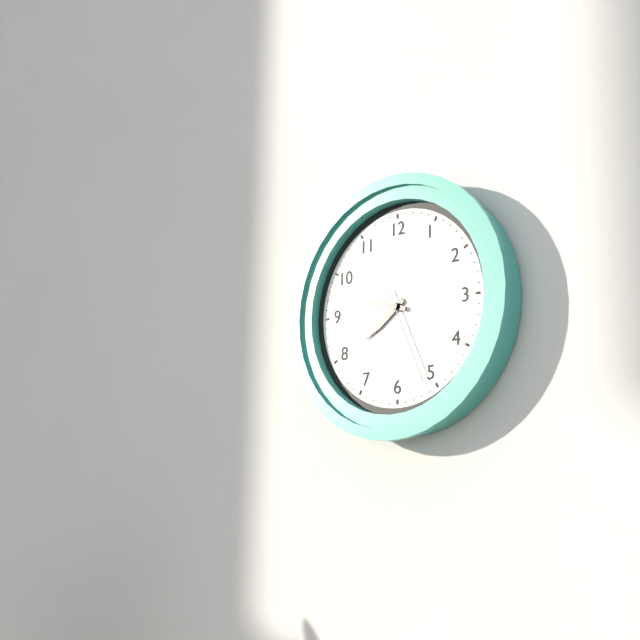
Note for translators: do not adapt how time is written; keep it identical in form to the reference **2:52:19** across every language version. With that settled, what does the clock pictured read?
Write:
**7:48:26**
